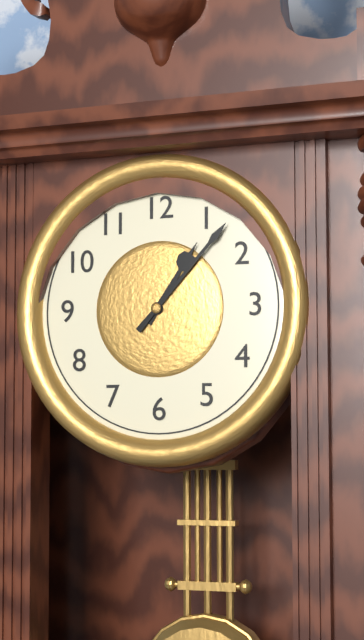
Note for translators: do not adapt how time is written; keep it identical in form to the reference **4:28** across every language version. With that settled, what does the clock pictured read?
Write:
**1:07**
